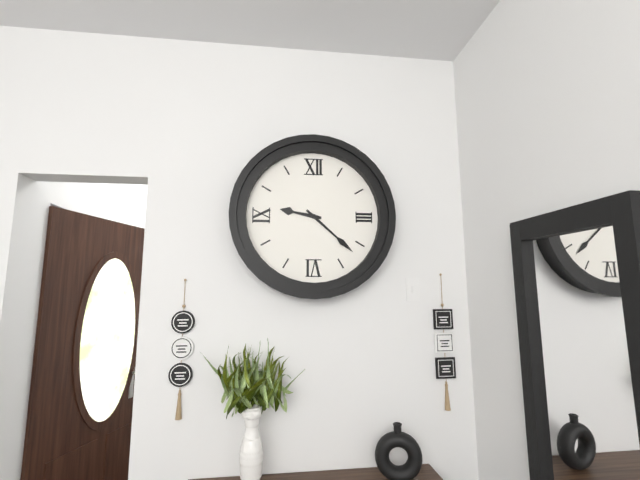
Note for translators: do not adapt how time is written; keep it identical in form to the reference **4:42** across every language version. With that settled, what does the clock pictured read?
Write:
**9:22**
